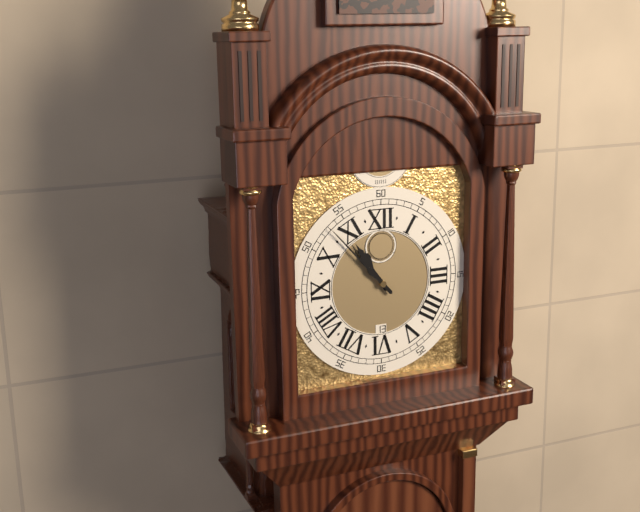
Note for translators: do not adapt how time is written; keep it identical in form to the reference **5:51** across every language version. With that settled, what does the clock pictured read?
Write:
**10:53**
